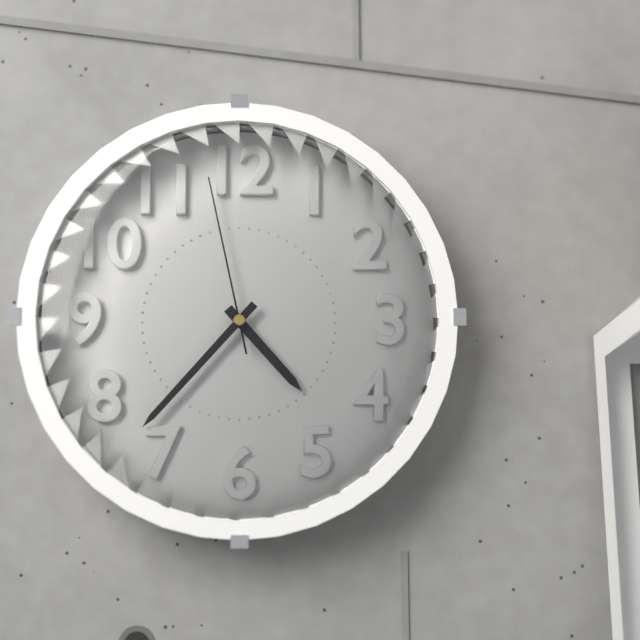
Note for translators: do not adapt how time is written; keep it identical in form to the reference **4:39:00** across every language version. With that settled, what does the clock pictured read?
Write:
**4:37:58**
